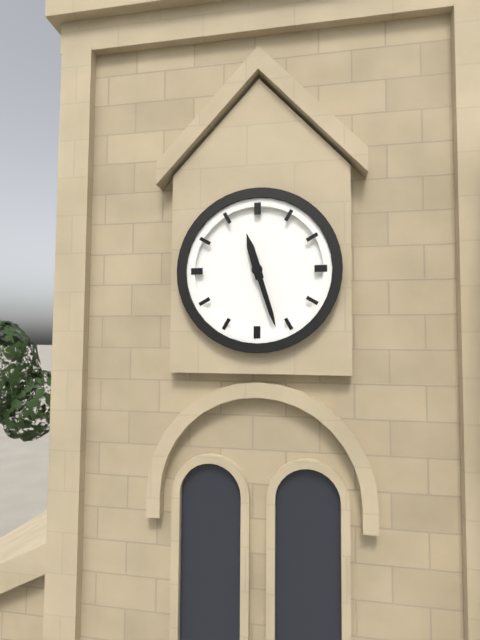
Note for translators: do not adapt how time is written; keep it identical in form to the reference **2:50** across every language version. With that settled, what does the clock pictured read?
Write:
**11:27**
